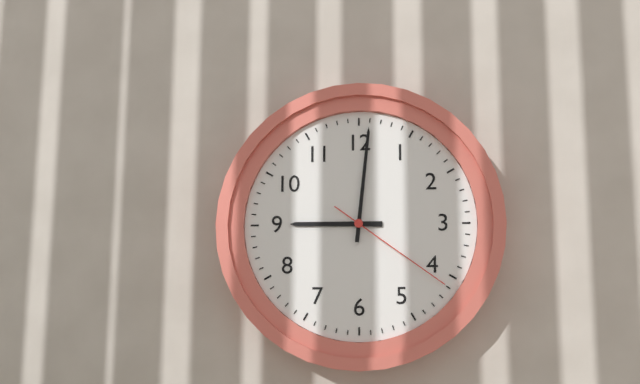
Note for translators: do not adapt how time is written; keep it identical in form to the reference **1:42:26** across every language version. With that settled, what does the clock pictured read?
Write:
**9:01:21**
